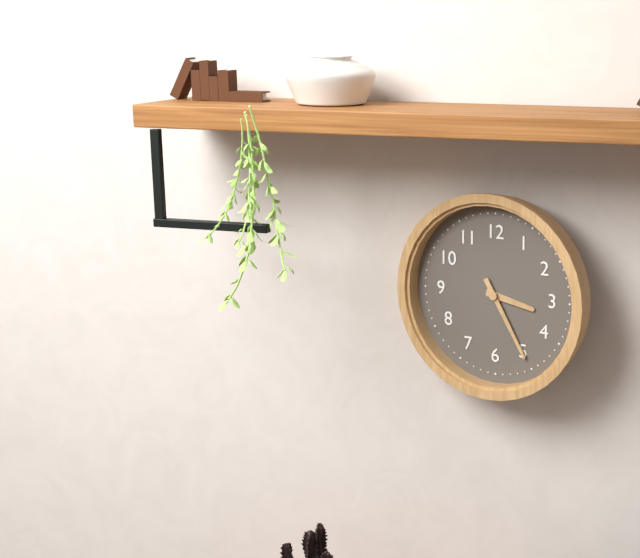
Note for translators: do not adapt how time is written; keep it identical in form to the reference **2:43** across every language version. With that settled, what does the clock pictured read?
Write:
**3:25**
